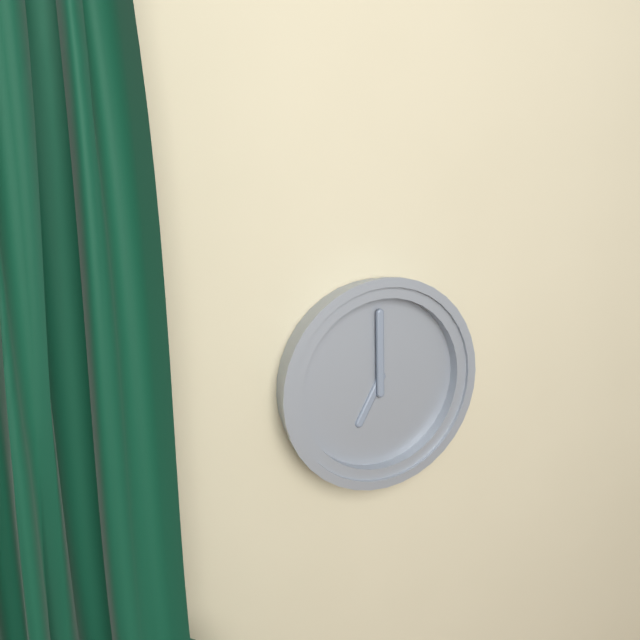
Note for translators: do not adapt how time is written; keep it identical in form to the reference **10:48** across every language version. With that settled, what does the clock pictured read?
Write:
**7:00**
